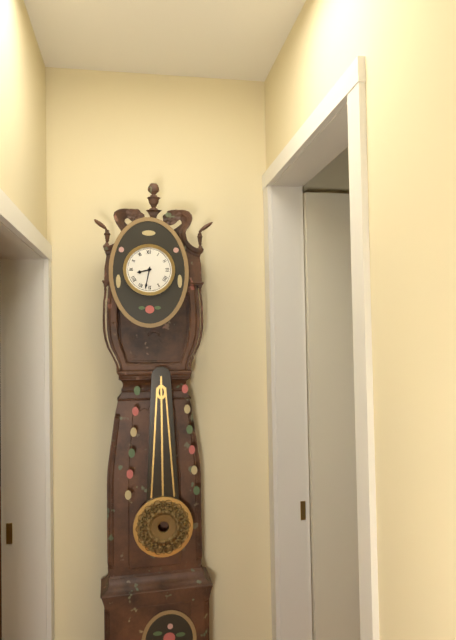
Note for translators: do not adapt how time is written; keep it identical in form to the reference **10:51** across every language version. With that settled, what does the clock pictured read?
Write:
**8:32**
